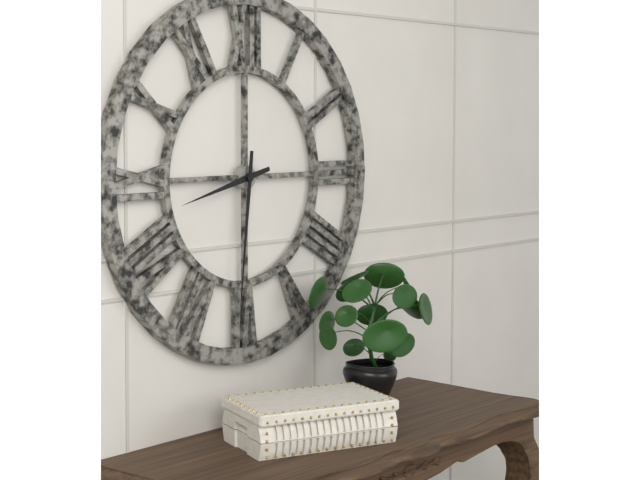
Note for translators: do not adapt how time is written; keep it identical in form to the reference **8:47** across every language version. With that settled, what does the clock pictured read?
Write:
**8:31**
